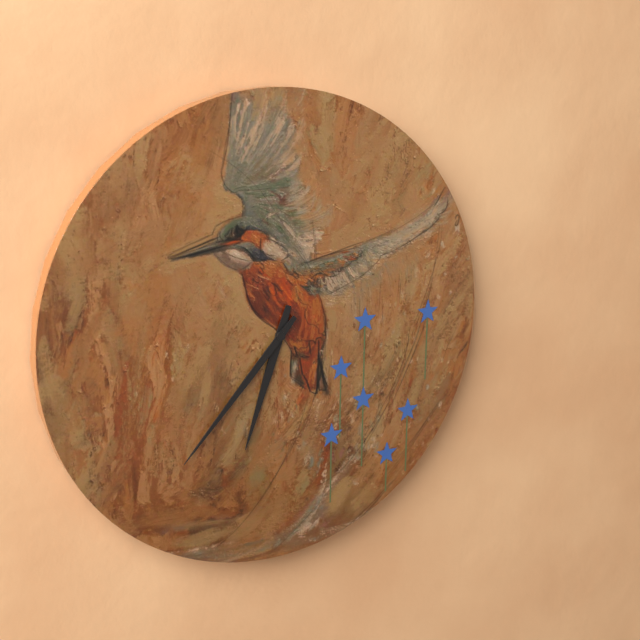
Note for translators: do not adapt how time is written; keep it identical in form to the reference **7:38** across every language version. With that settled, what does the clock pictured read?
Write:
**6:37**
